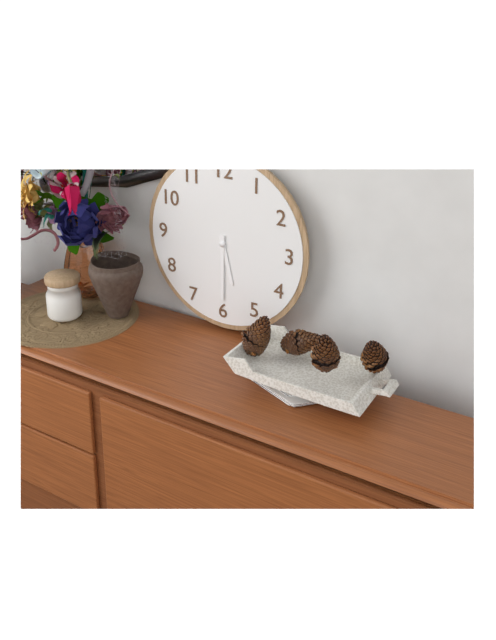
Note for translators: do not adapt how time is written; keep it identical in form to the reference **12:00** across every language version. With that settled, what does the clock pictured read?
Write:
**5:30**
